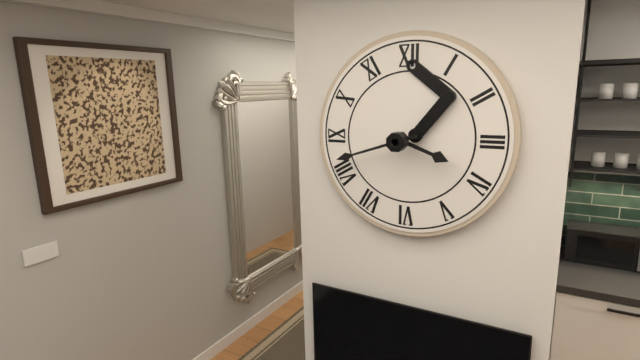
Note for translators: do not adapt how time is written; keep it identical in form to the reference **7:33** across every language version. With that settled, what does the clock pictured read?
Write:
**3:42**
